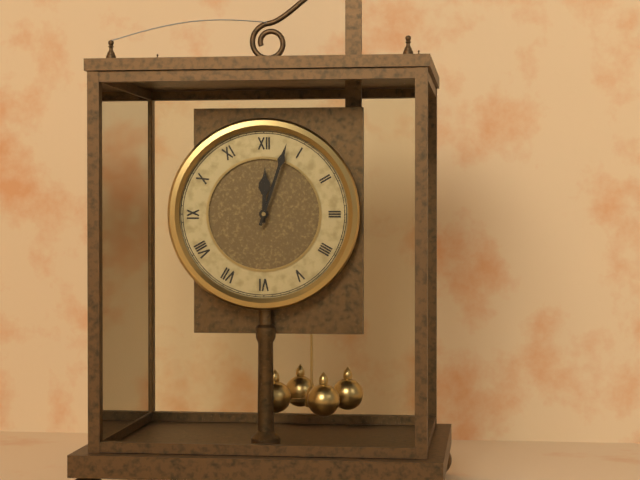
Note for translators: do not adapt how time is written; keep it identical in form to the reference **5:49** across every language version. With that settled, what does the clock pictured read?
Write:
**12:03**
